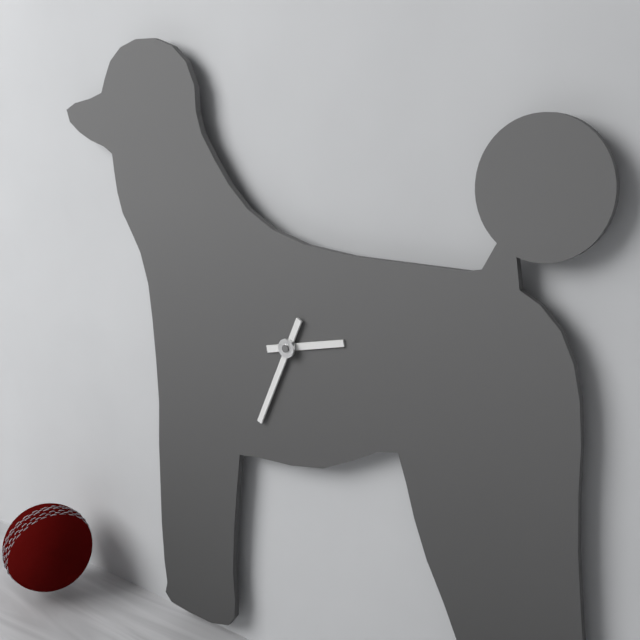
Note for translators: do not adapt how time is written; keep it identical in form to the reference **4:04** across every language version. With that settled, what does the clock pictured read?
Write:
**2:34**
